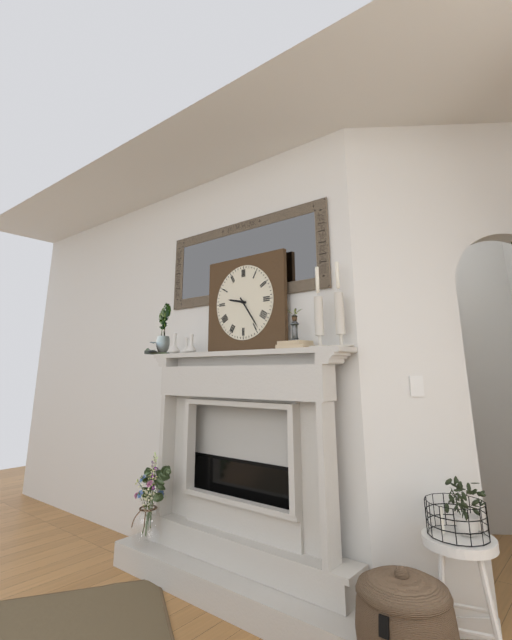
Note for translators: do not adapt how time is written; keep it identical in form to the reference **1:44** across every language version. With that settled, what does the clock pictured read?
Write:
**9:24**
